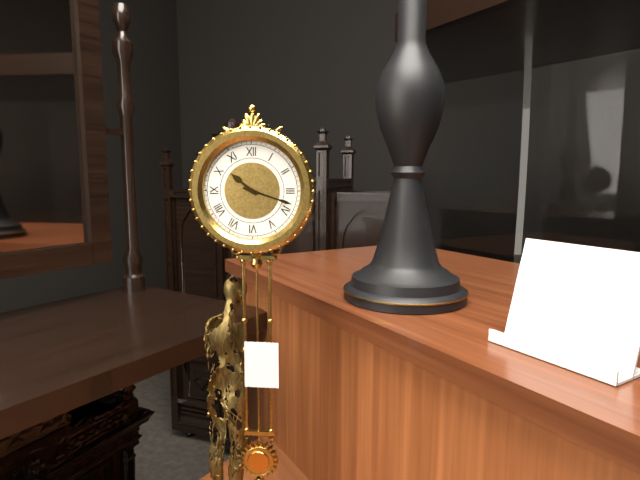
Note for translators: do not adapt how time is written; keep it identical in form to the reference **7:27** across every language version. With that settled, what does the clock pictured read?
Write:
**10:18**
